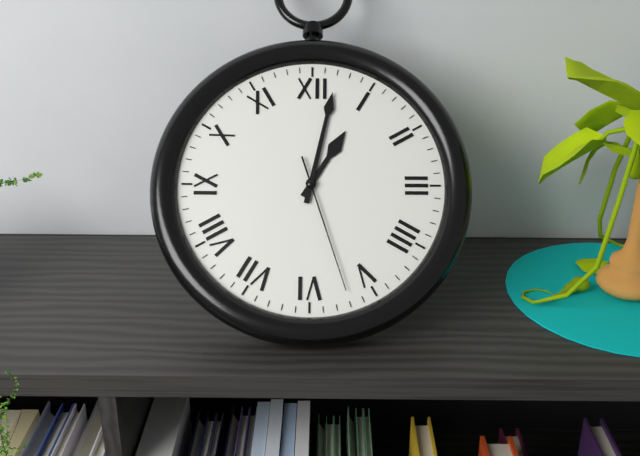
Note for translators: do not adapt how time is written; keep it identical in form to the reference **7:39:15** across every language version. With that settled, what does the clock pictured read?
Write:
**1:02:27**
